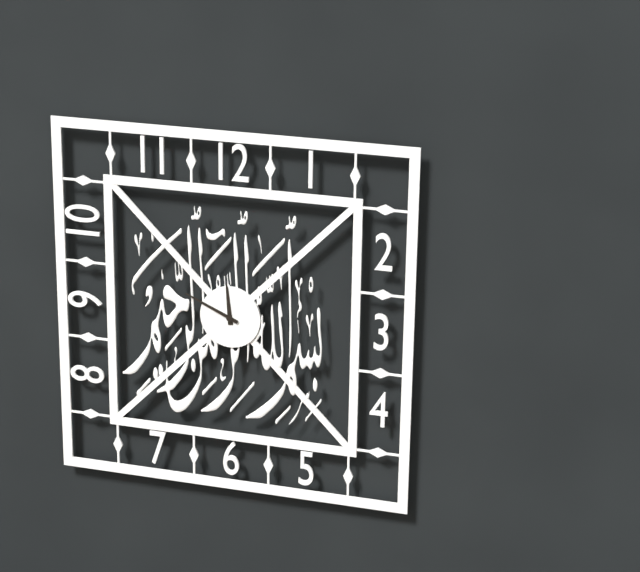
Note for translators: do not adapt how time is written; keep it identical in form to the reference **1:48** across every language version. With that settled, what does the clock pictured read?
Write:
**11:49**
